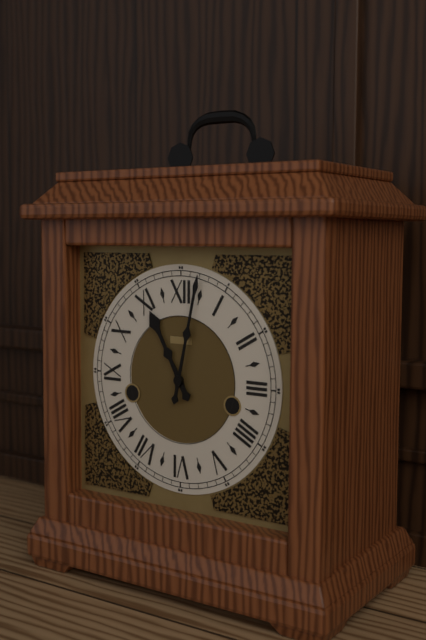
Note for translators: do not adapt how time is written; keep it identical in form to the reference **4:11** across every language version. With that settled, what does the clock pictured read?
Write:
**11:02**
